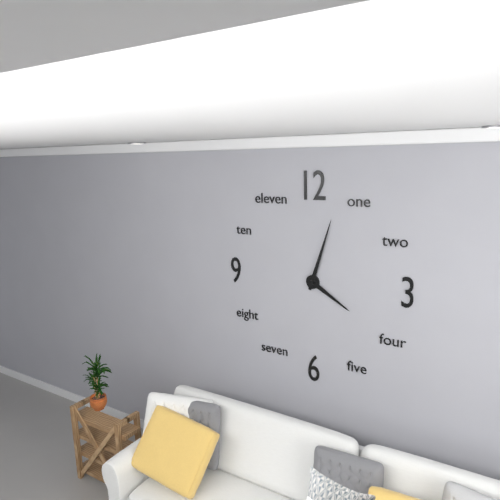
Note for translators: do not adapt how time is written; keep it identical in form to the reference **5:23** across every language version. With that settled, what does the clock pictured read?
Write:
**4:03**
